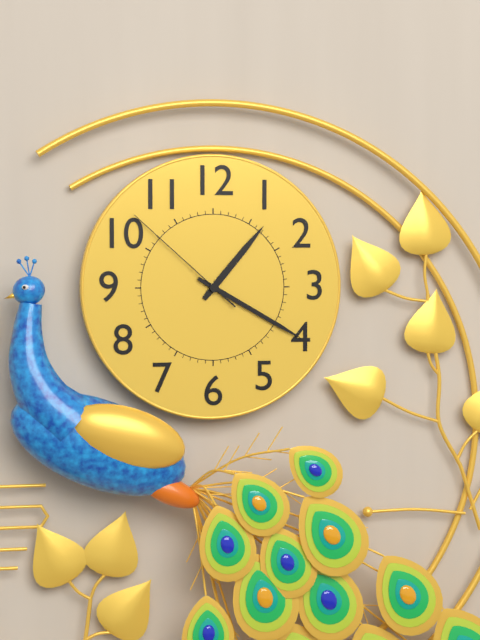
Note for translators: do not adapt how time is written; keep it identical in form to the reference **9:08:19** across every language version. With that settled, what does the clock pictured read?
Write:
**1:20:52**
